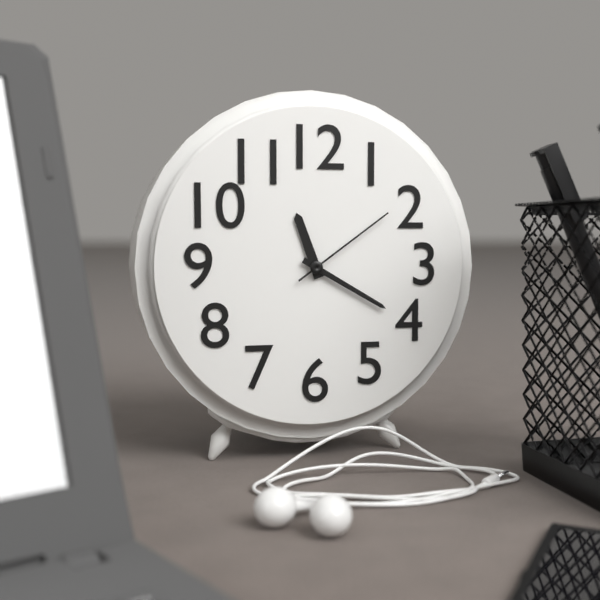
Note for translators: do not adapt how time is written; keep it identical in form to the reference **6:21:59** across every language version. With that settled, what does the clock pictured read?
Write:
**11:20:09**
